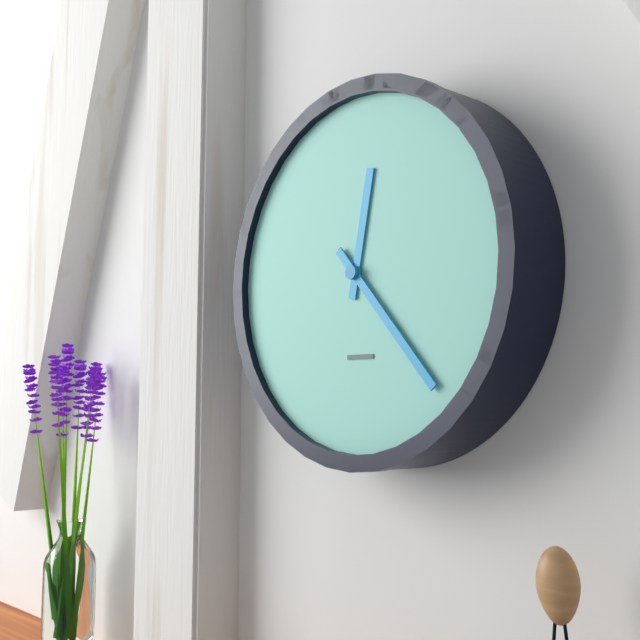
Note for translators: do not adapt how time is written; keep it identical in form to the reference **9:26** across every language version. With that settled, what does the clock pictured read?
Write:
**12:23**
